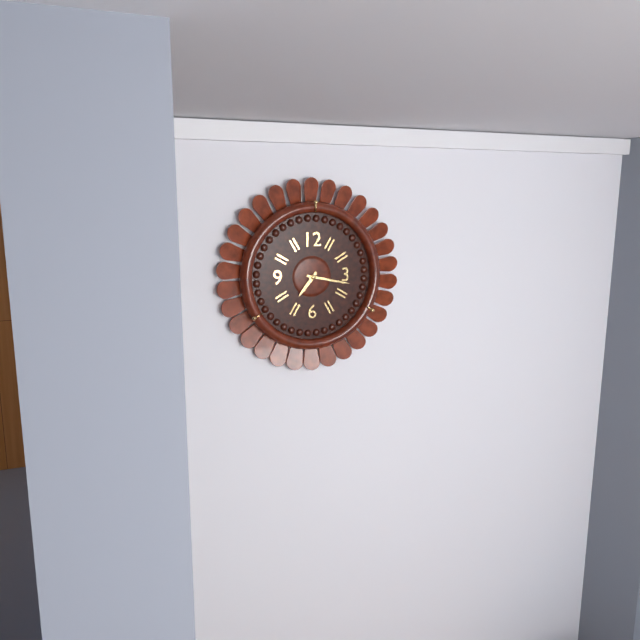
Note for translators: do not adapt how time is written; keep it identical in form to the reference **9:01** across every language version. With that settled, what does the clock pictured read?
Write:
**7:17**
